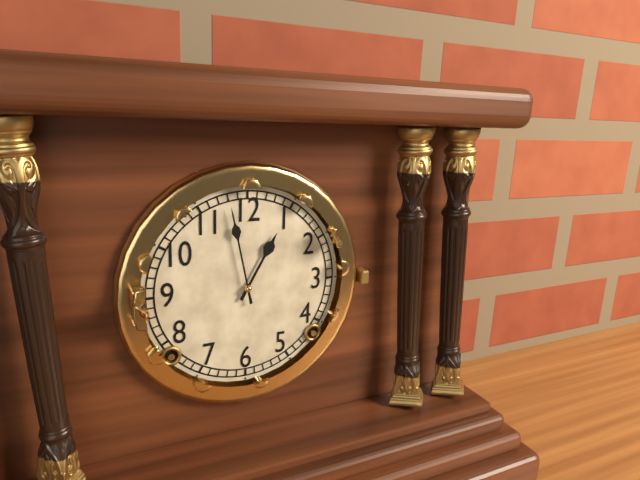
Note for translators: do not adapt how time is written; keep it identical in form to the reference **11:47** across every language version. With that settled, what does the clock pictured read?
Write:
**12:58**
